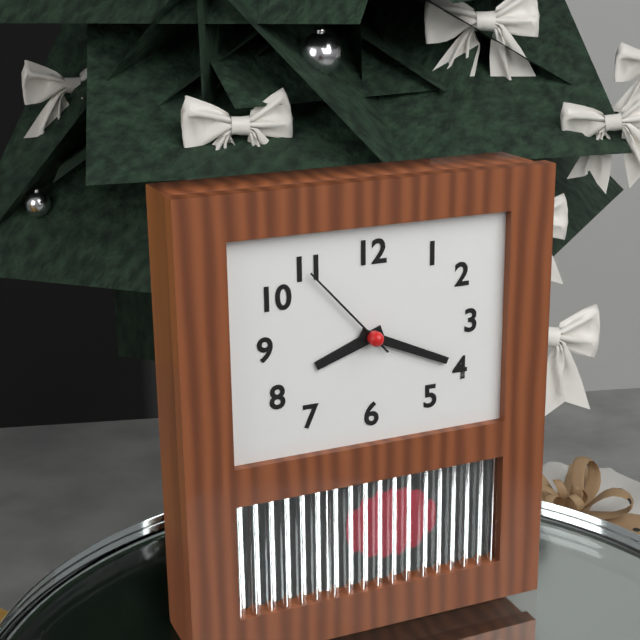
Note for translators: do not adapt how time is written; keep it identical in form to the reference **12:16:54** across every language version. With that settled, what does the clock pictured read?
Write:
**8:19:53**
